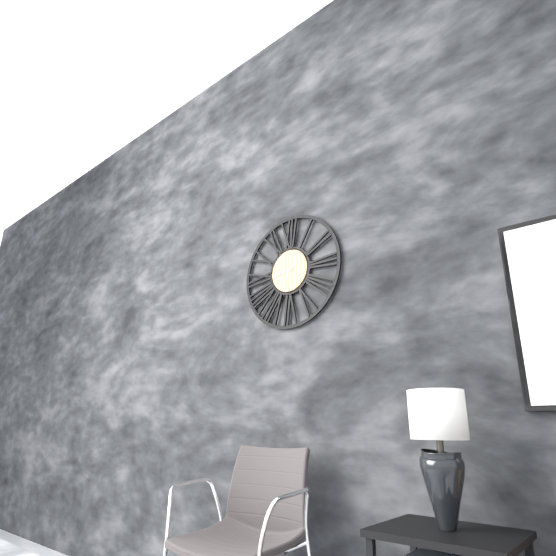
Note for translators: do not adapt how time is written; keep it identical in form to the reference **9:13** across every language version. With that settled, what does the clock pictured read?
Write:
**1:44**
